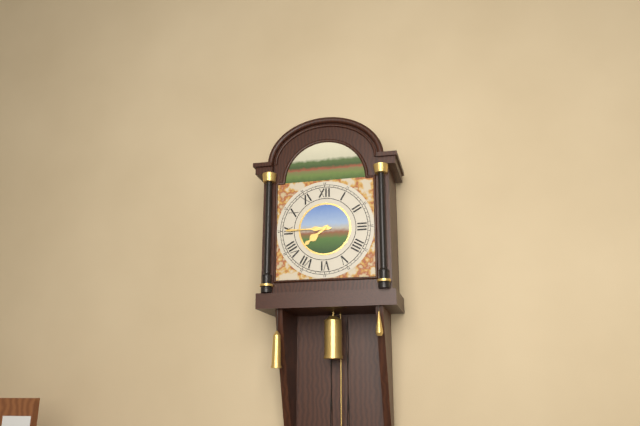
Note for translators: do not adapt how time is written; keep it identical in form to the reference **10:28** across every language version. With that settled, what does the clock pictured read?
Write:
**7:45**
